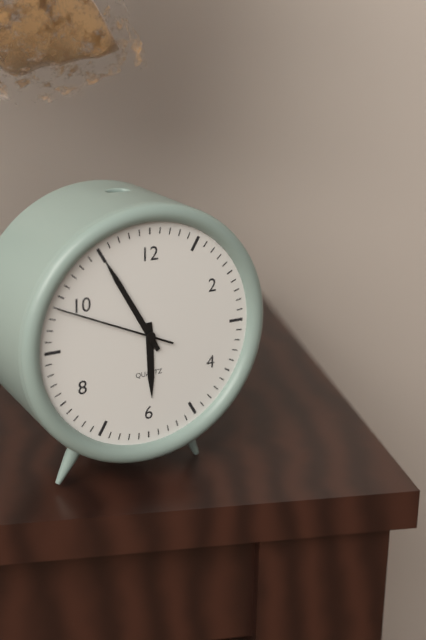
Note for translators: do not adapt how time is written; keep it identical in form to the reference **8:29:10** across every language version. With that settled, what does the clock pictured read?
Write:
**5:55:49**
